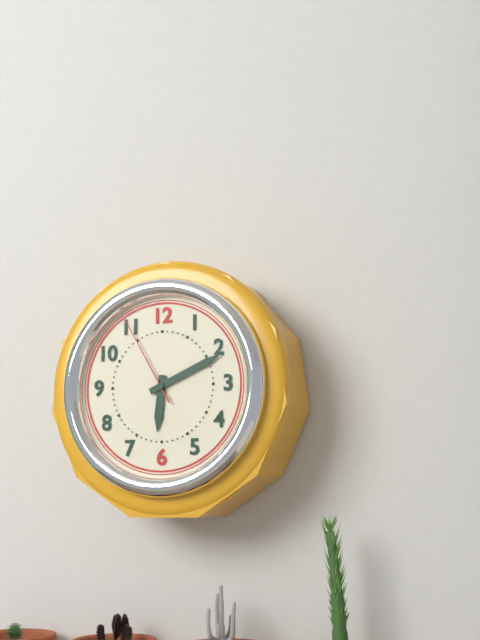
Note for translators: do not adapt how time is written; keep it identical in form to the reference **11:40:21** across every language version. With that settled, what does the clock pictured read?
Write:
**6:11:55**
